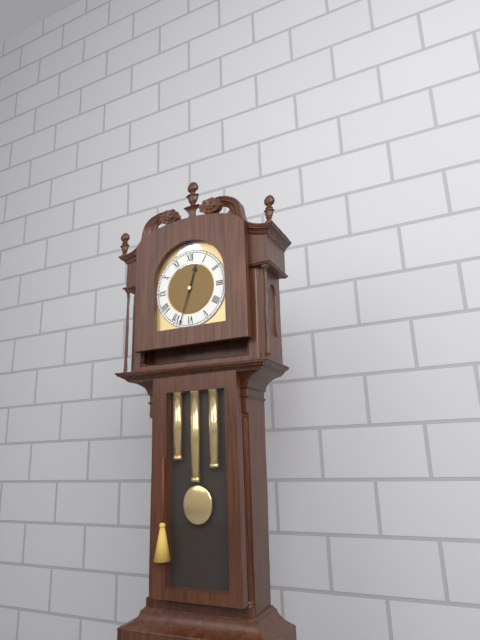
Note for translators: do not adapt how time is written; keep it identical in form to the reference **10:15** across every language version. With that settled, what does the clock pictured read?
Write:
**12:33**
